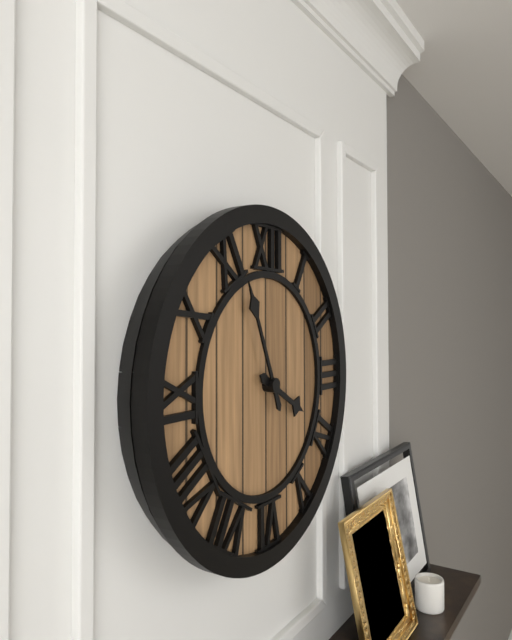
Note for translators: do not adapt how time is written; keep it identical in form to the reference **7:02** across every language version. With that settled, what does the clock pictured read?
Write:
**3:56**
